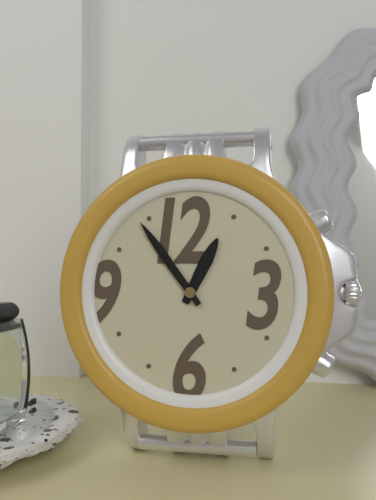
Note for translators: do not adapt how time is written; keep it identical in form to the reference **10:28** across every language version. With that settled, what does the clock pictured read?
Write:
**12:54**
